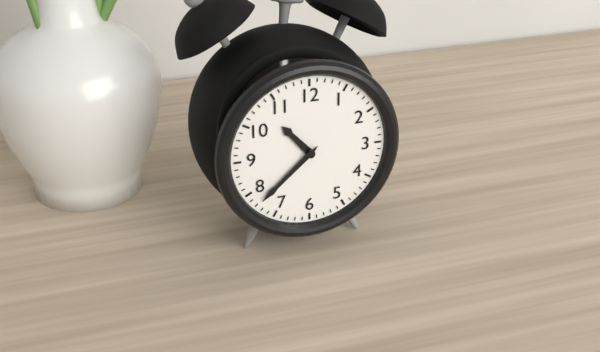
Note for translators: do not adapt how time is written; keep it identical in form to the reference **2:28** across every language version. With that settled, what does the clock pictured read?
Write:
**10:38**
